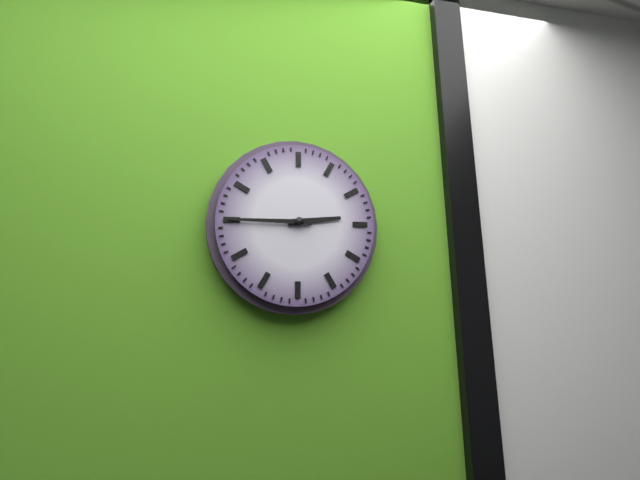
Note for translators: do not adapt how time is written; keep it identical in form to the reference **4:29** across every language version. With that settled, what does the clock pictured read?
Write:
**2:45**
